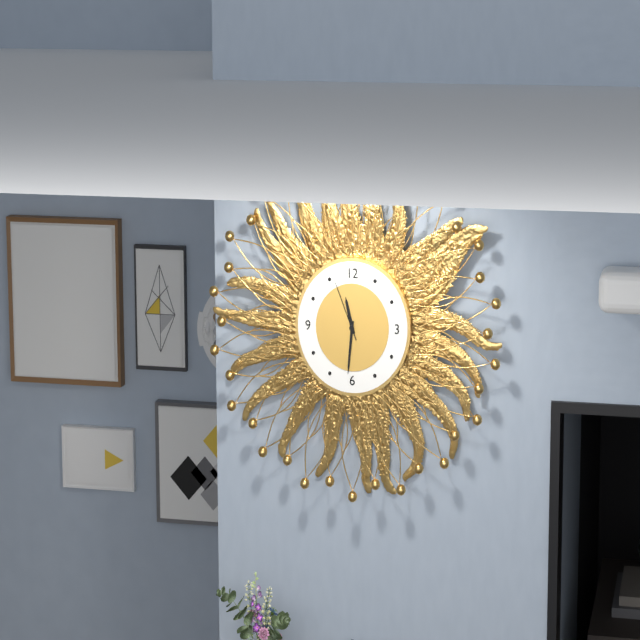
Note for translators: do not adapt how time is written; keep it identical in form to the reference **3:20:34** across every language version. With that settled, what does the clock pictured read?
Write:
**11:31:56**
